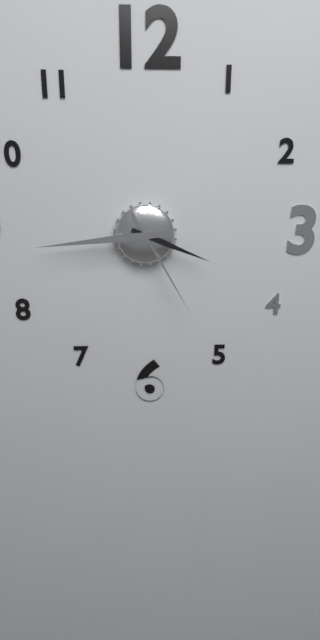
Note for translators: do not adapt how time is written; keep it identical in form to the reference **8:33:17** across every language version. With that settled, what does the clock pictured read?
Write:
**3:44:25**
